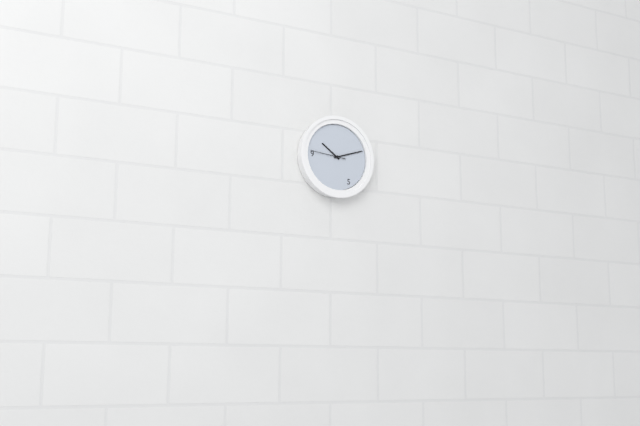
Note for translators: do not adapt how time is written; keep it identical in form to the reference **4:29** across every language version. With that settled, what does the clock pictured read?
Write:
**10:12**
